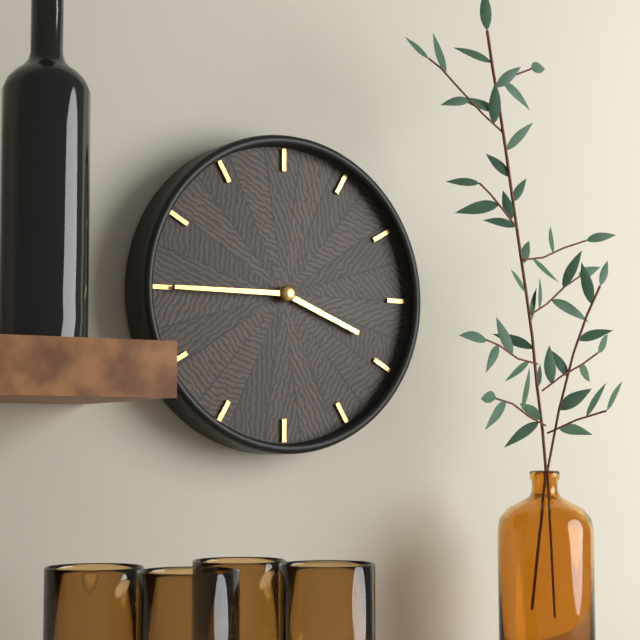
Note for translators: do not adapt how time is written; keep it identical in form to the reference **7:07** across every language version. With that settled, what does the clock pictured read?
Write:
**3:45**
